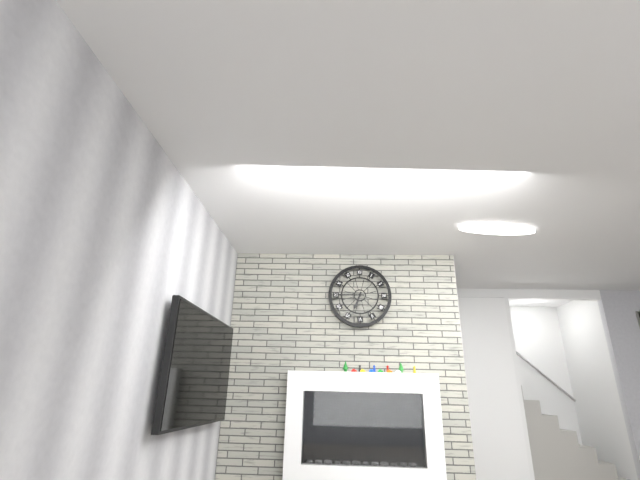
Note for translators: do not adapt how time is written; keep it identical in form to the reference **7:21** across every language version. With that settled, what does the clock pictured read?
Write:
**6:45**
